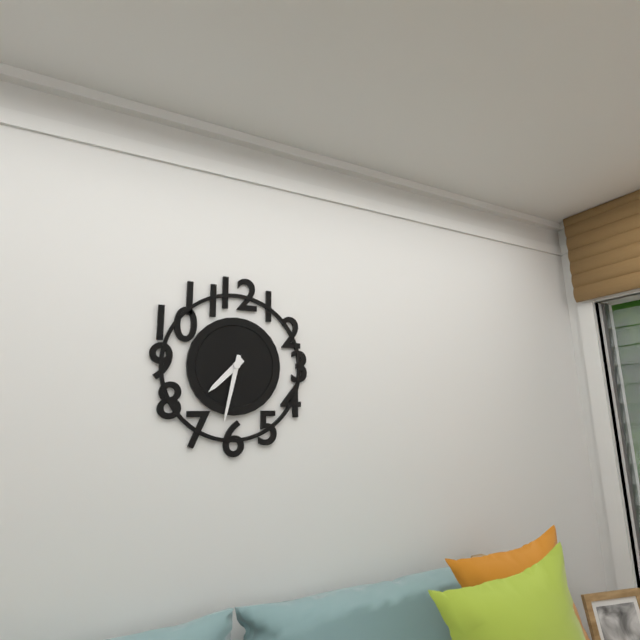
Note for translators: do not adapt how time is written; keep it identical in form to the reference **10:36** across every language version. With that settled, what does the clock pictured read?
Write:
**7:32**
